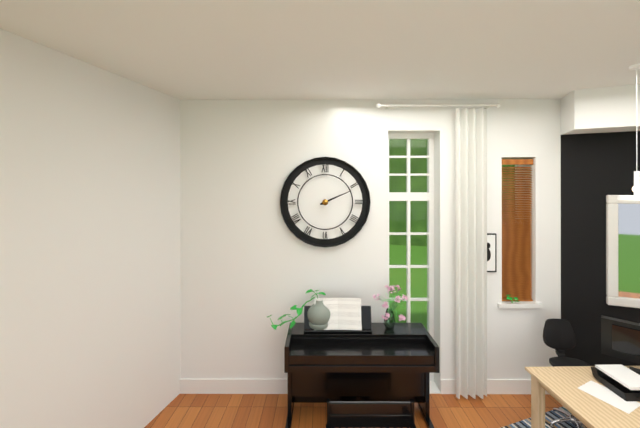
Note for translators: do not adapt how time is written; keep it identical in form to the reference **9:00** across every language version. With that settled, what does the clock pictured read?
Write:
**2:11**
